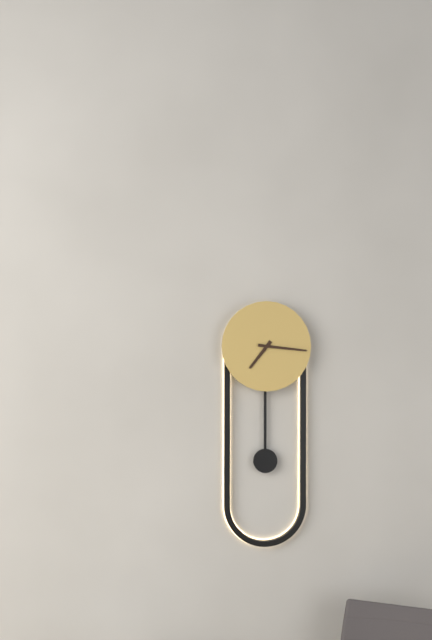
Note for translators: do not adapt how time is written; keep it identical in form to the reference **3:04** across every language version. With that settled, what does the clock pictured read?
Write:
**7:16**
